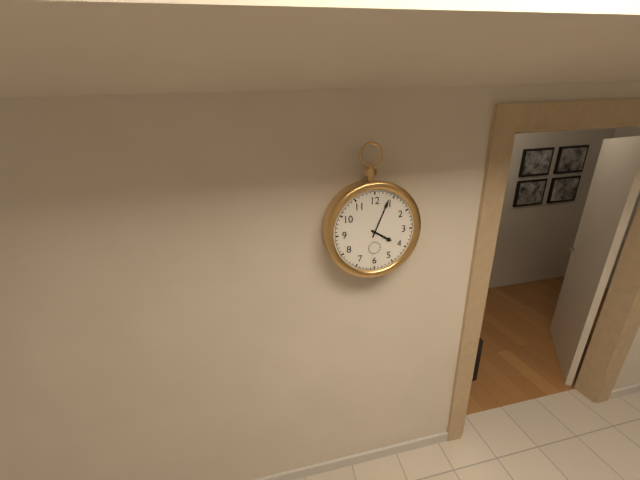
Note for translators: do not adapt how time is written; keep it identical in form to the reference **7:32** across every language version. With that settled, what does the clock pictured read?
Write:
**4:04**
